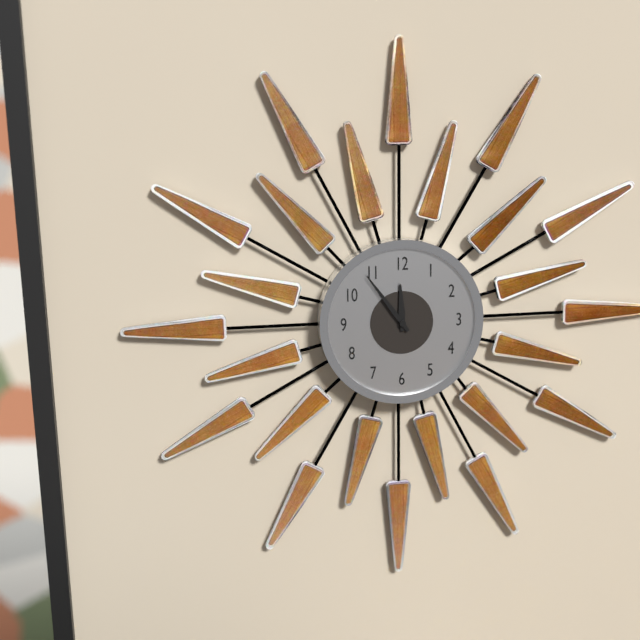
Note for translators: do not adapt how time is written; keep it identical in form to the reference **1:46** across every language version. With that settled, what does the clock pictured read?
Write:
**11:54**
